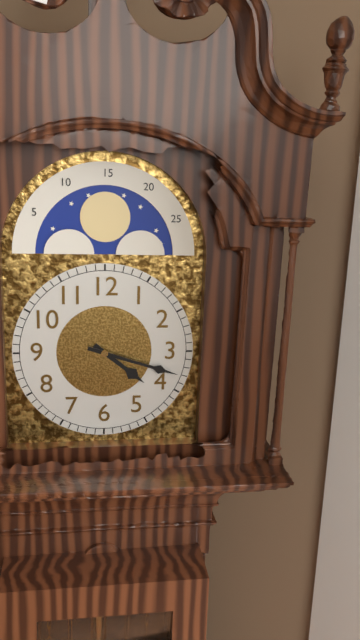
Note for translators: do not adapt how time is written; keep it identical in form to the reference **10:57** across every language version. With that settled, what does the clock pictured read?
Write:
**4:18**
